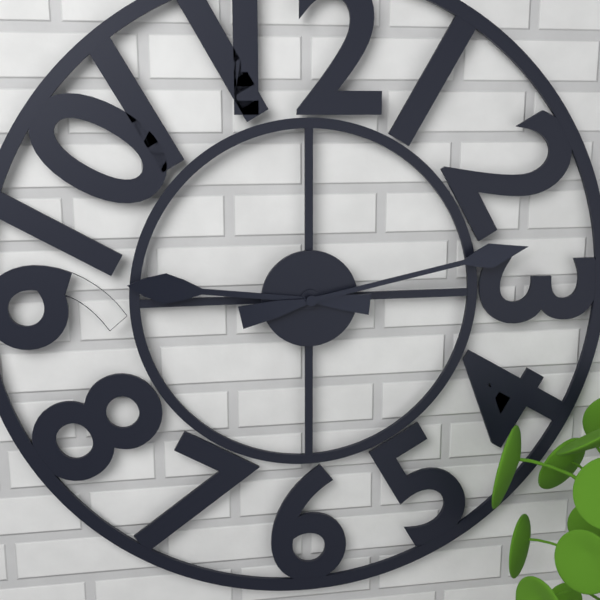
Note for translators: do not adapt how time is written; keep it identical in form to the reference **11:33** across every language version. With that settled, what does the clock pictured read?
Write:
**9:13**
